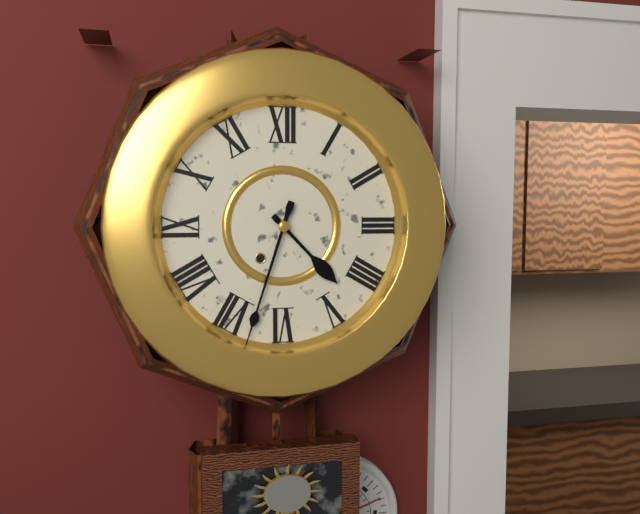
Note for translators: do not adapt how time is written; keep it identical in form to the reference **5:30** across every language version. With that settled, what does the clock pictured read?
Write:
**4:33**
